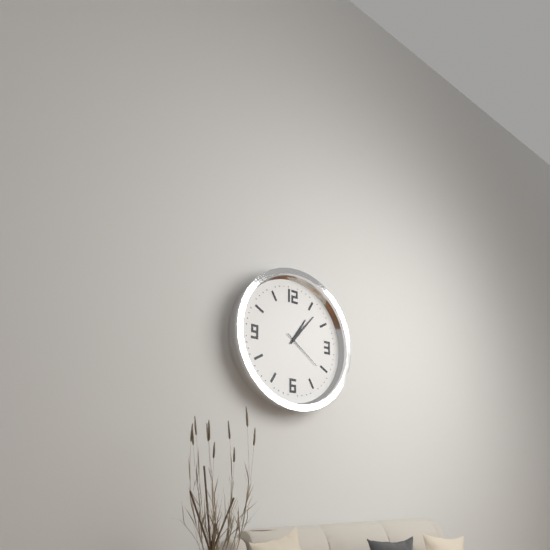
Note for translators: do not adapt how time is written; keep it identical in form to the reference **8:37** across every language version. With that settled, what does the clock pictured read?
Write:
**1:07**
